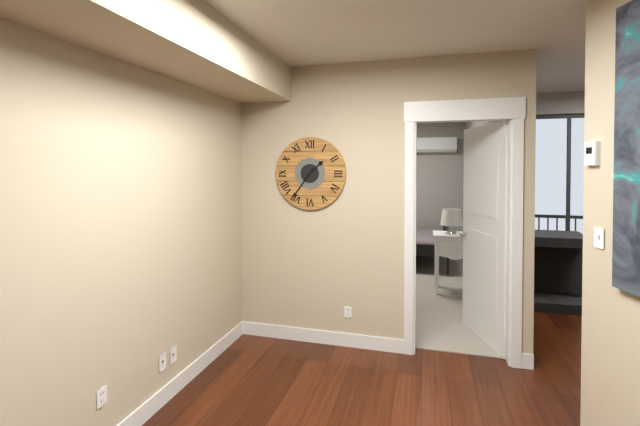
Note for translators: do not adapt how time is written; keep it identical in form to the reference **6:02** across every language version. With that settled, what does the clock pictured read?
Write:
**1:36**
